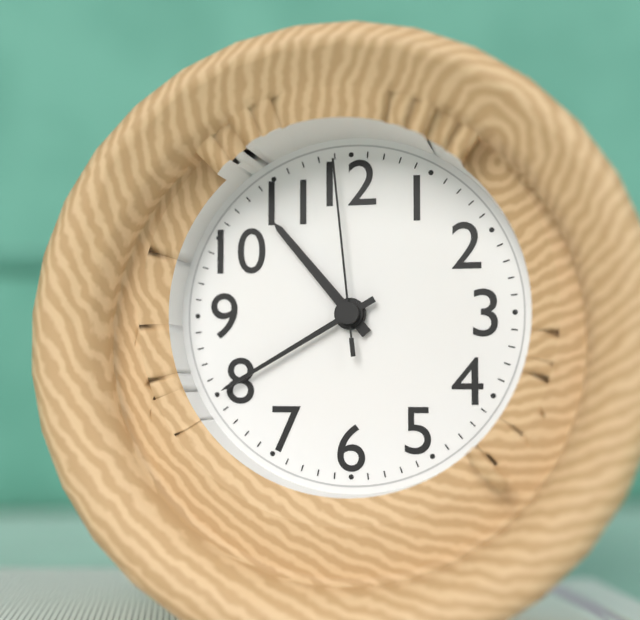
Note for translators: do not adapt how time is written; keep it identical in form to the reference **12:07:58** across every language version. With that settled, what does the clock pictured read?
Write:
**10:40:59**
